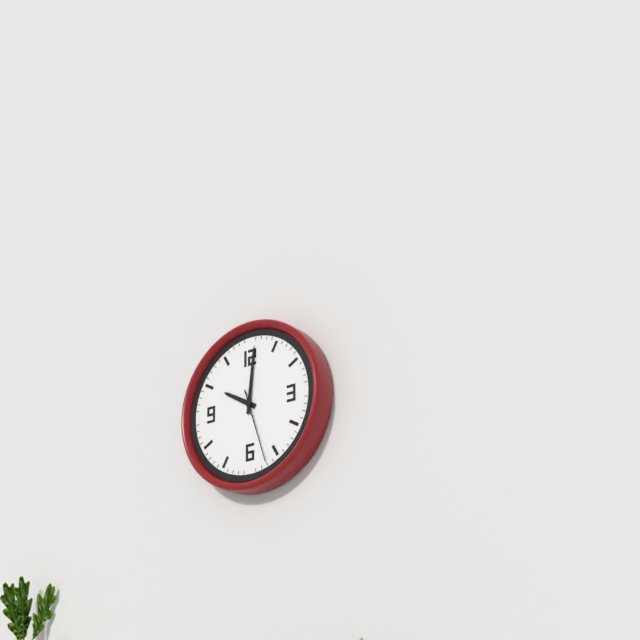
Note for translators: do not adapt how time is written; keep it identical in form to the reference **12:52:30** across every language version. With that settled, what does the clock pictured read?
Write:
**10:01:27**
